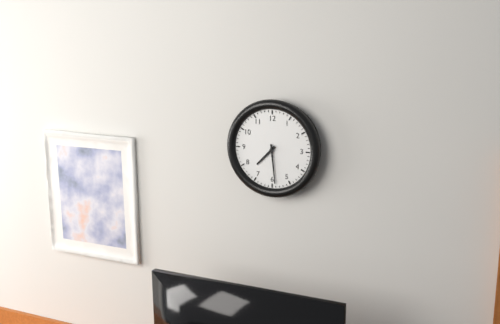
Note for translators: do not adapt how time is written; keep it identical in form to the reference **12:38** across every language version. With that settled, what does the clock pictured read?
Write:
**7:29**
